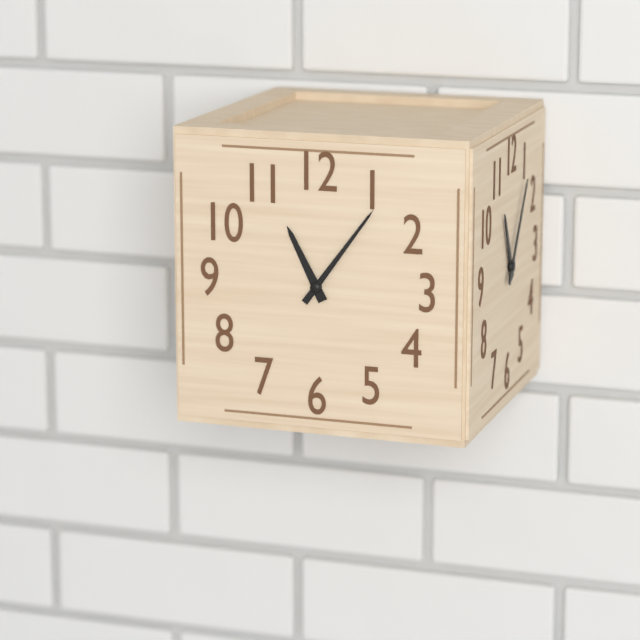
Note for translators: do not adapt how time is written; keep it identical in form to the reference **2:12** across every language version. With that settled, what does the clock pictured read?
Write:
**11:06**
